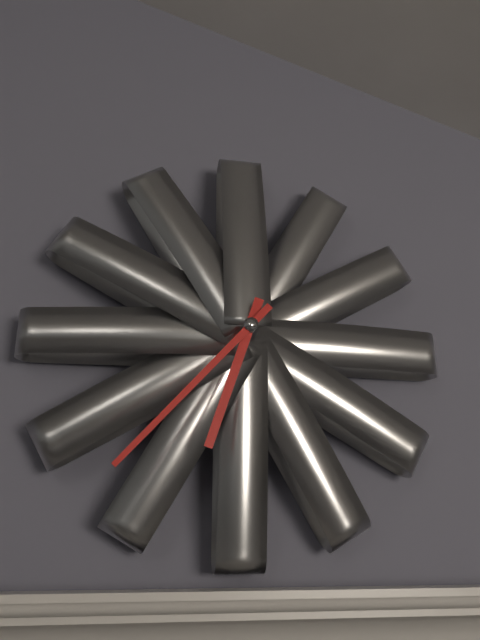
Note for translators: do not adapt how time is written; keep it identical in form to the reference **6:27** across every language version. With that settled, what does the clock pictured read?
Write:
**6:37**
